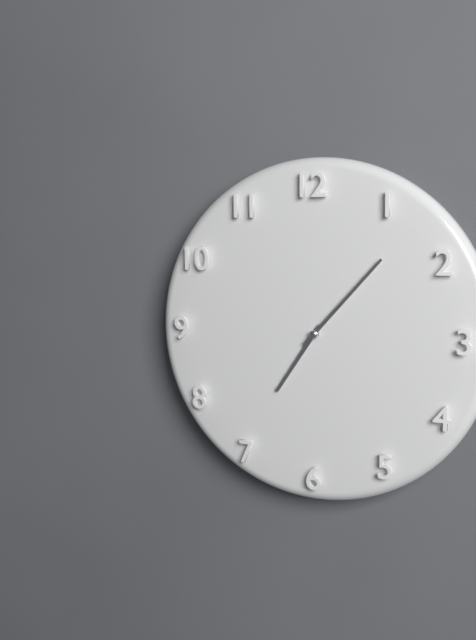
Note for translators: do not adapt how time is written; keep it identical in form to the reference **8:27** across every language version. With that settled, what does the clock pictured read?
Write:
**7:07**
